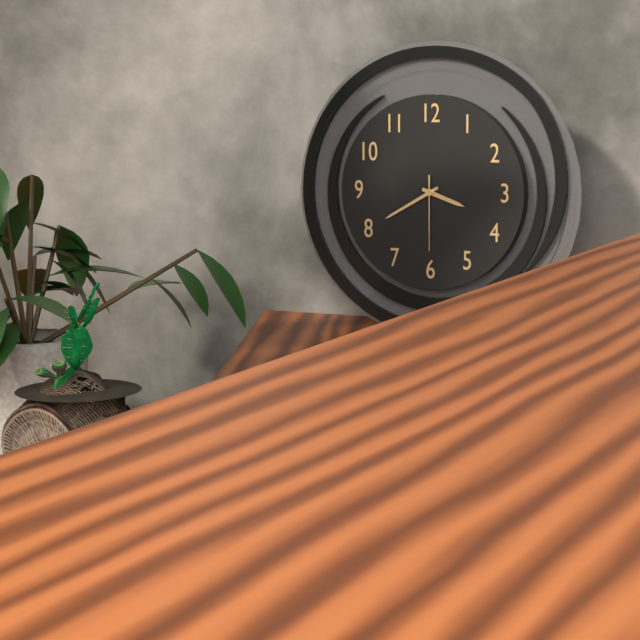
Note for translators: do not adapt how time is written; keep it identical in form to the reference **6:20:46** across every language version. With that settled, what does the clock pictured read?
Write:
**3:40:30**
